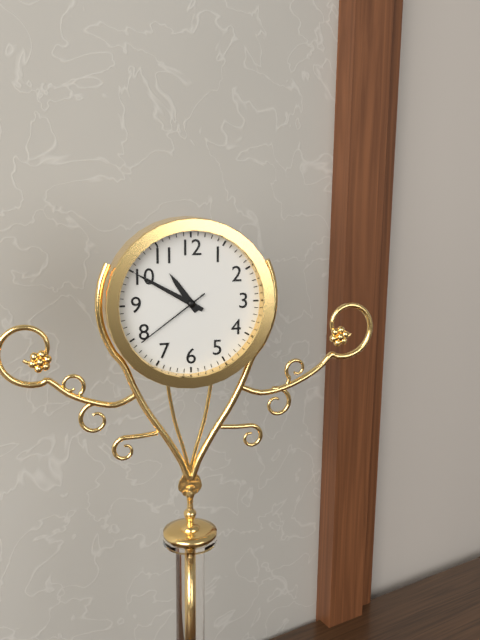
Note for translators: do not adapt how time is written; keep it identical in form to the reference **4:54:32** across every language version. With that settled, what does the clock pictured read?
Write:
**10:50:39**
